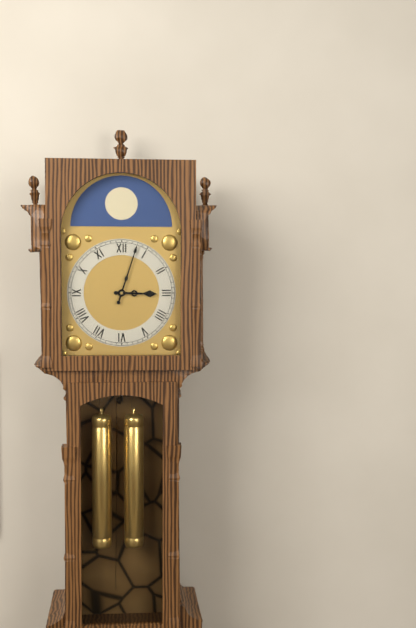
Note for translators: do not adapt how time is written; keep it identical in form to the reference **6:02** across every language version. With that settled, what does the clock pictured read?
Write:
**3:03**
